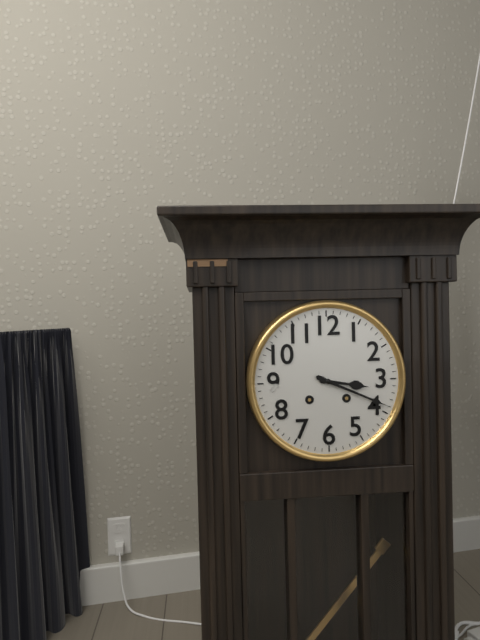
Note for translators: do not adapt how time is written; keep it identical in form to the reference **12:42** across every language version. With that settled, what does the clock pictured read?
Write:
**3:19**
